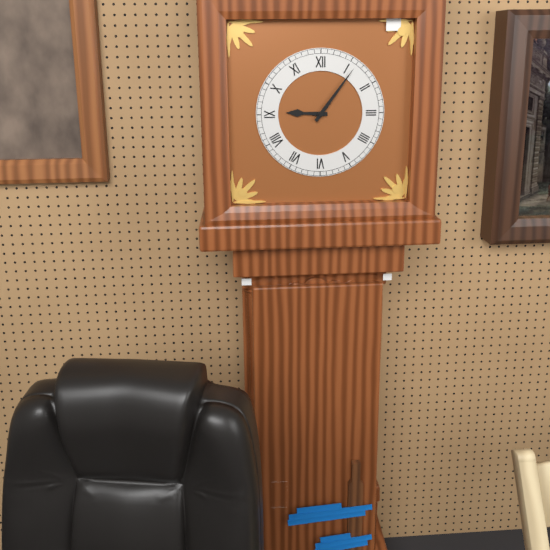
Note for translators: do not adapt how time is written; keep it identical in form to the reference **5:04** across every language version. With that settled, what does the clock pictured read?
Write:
**9:06**
